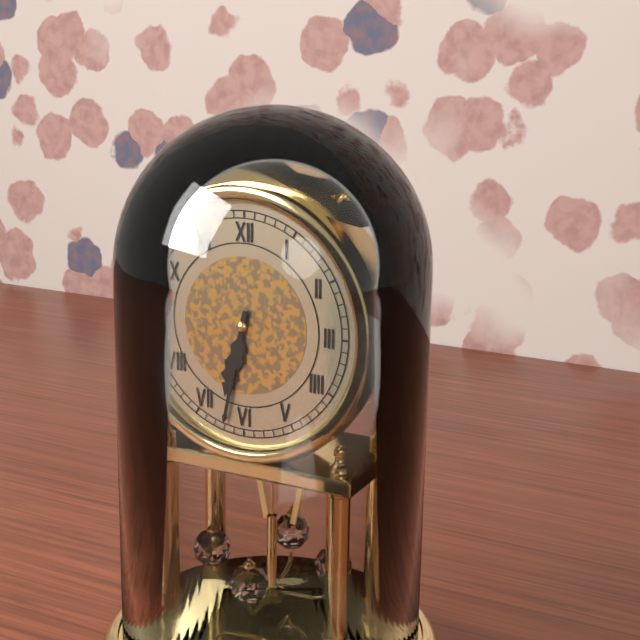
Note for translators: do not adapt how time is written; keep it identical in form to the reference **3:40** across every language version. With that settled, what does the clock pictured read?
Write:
**6:32**
